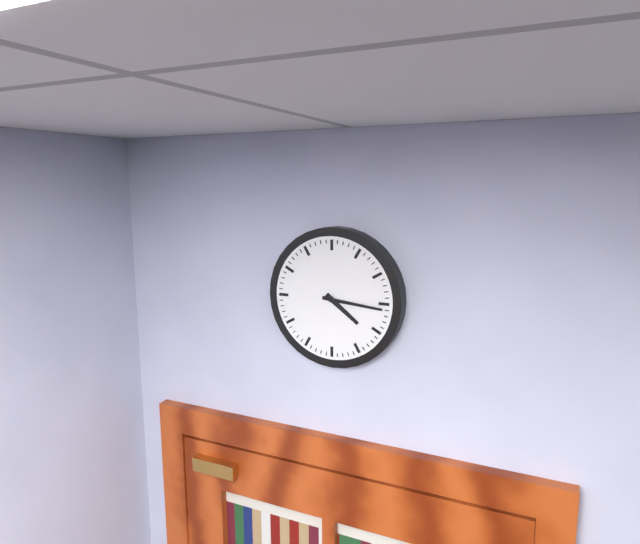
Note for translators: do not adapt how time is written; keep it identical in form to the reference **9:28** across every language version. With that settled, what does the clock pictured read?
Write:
**4:16**
